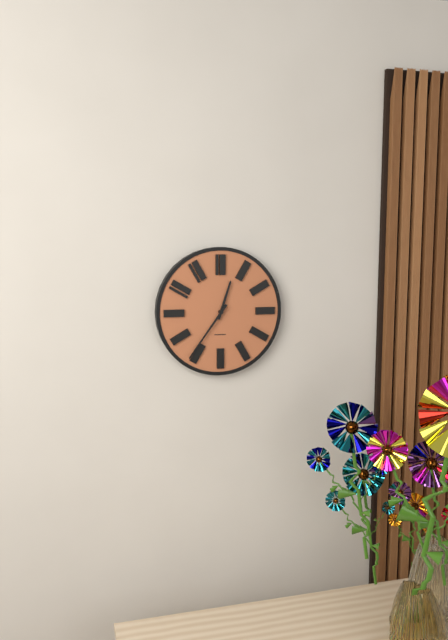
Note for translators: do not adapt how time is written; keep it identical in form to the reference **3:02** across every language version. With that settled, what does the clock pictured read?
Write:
**12:36**
